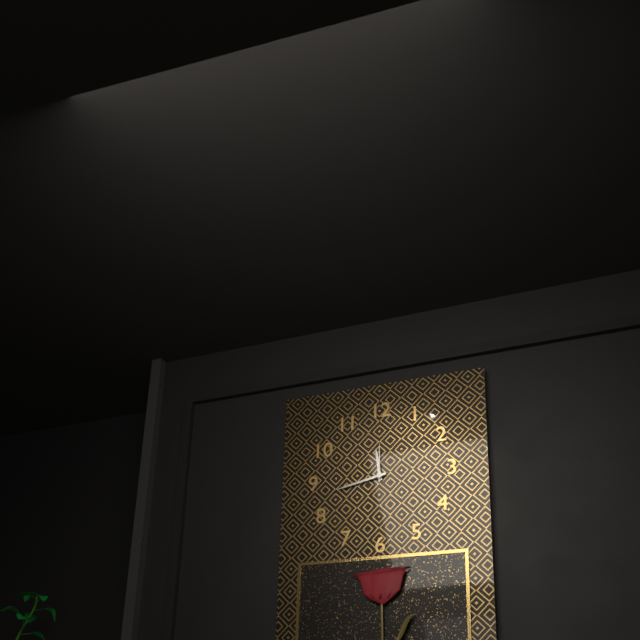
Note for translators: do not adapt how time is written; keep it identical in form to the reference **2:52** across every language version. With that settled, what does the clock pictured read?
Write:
**11:43**
